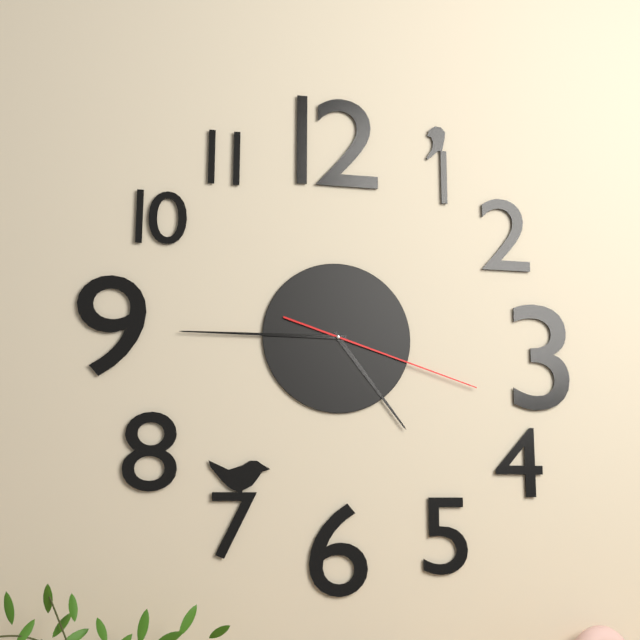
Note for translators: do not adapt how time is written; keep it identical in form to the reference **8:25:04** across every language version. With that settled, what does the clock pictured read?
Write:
**4:45:18**
